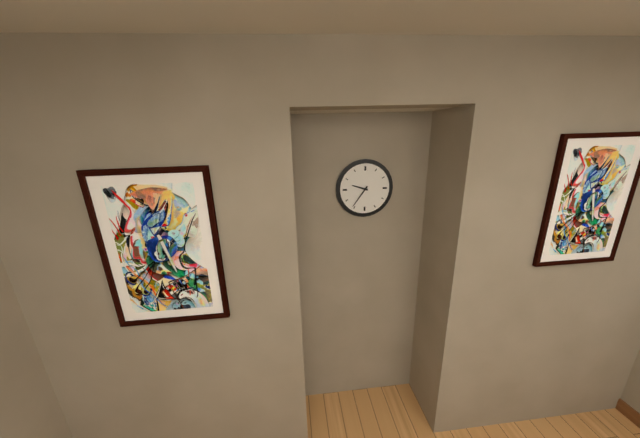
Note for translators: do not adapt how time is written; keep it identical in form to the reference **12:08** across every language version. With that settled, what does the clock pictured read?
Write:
**9:36**
